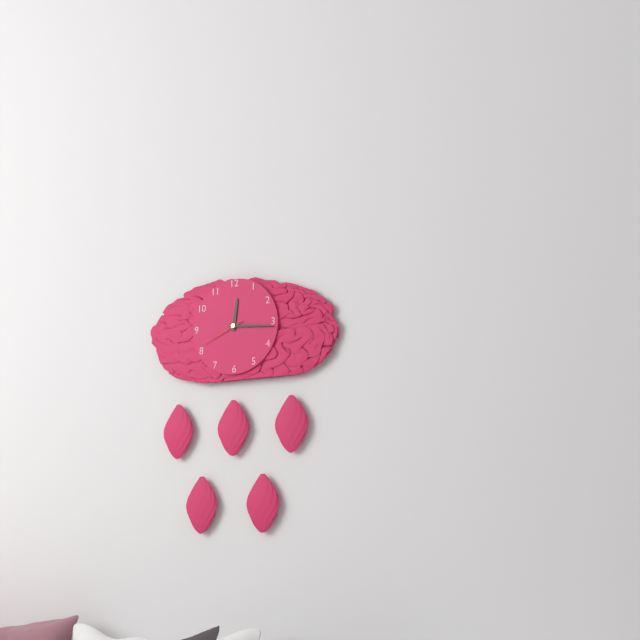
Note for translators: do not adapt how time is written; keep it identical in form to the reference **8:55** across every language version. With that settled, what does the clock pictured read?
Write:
**12:16**
